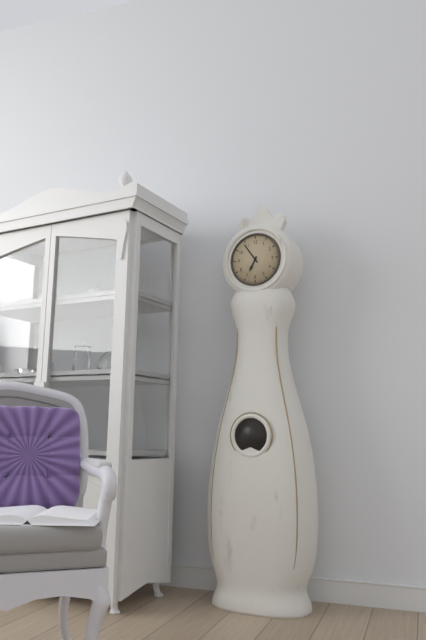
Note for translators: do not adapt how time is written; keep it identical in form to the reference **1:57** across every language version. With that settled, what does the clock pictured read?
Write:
**6:54**
